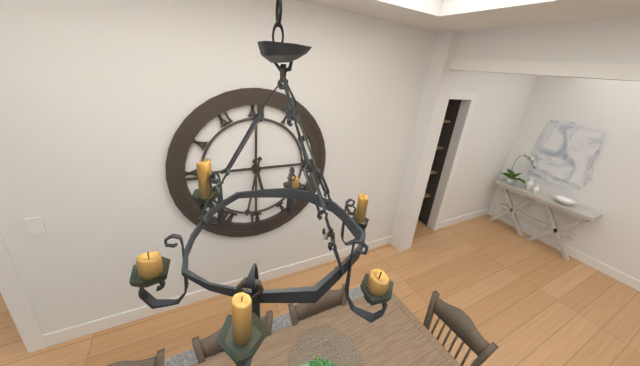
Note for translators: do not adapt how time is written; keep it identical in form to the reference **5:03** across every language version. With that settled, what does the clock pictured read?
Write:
**5:32**
